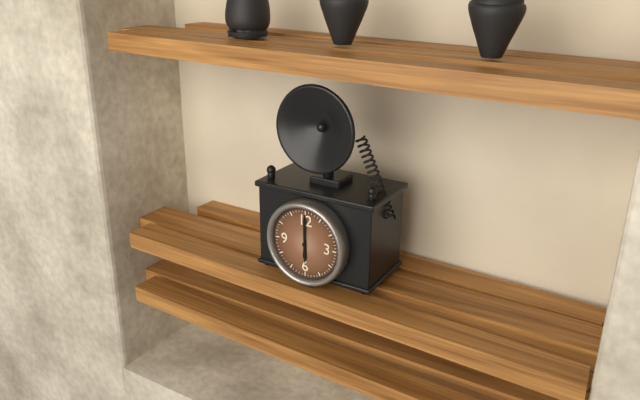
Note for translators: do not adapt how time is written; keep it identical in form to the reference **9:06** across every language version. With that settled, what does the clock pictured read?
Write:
**6:00**
